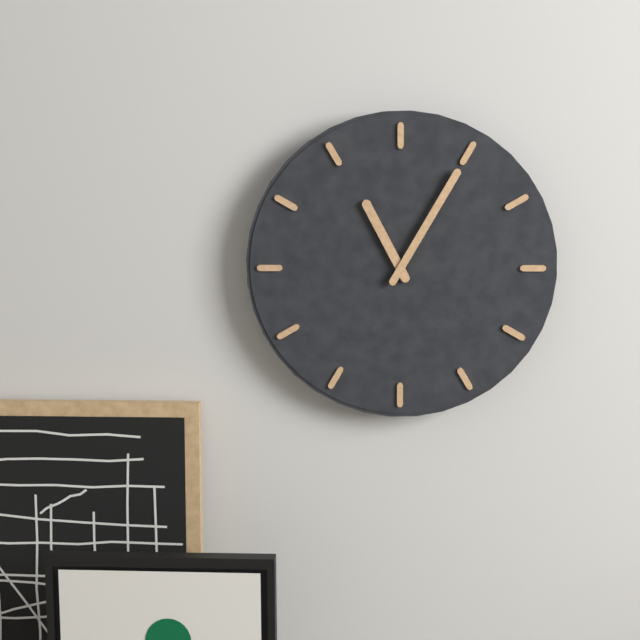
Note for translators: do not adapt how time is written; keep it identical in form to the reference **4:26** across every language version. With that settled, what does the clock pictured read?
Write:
**11:05**
